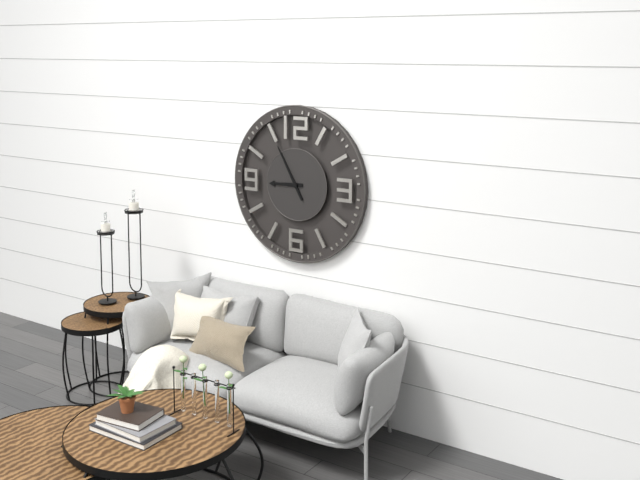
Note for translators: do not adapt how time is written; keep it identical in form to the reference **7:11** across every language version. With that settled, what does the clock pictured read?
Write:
**8:55**
